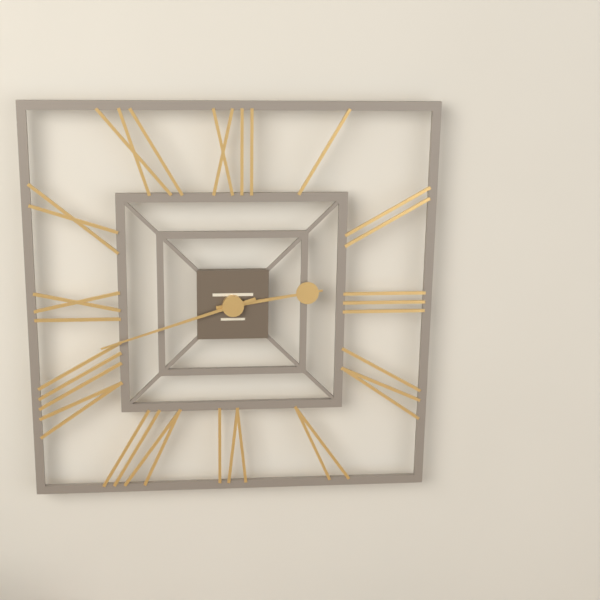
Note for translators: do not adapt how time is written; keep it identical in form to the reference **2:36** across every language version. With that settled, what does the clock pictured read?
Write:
**2:42**
